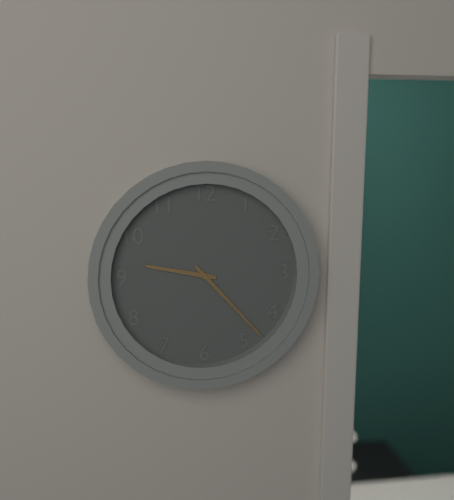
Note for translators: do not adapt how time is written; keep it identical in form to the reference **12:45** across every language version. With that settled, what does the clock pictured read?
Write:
**9:23**
